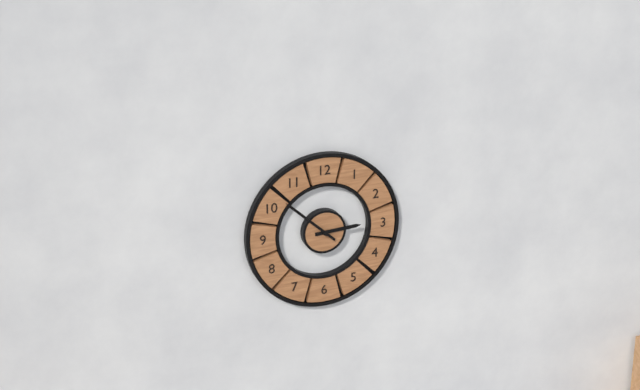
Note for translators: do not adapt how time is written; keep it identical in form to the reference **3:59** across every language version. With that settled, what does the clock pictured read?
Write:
**2:52**
